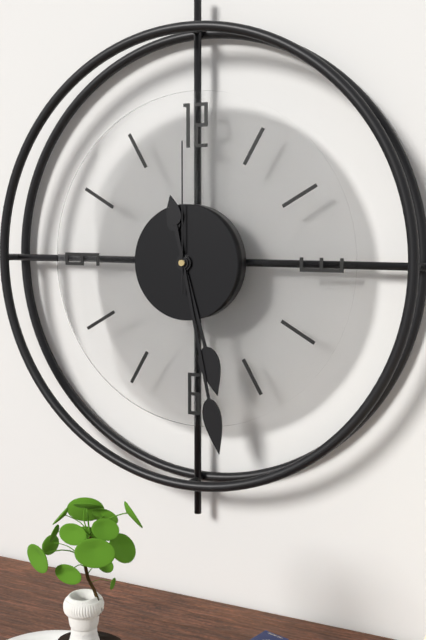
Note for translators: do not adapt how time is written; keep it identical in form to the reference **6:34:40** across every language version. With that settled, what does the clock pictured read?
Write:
**5:28:00**
